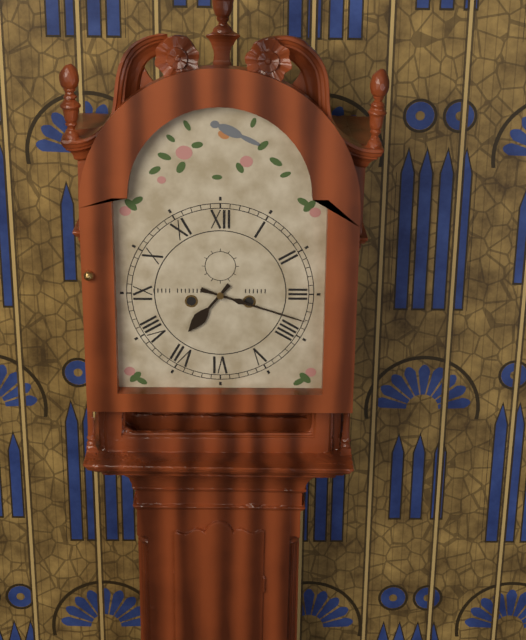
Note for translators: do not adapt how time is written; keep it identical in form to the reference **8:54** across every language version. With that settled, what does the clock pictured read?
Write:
**7:18**
